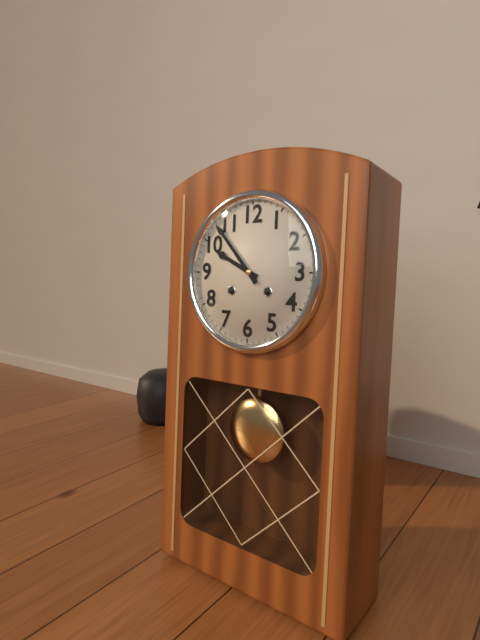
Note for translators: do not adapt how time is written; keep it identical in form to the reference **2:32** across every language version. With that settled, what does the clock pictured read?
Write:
**9:53**
